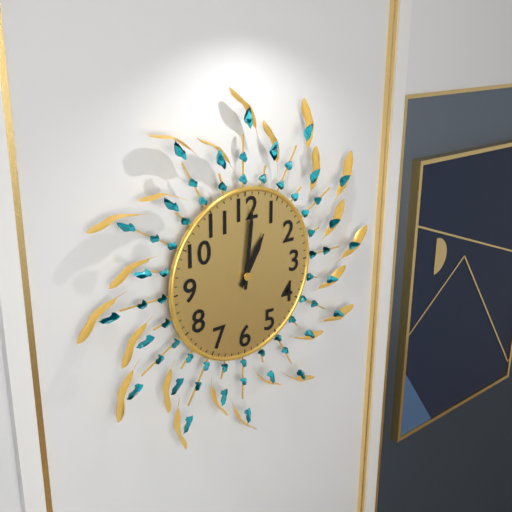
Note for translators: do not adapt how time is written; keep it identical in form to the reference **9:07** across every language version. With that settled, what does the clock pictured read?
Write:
**1:01**
